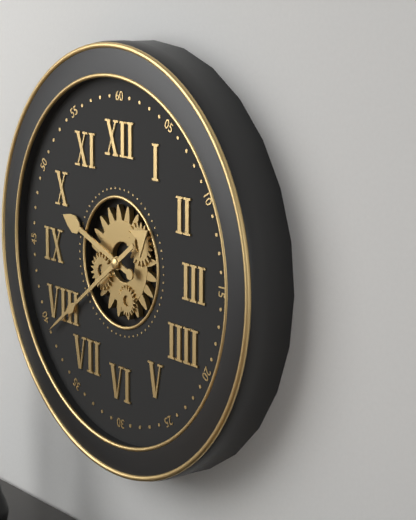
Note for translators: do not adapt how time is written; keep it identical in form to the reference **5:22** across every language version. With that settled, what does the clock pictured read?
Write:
**9:39**
